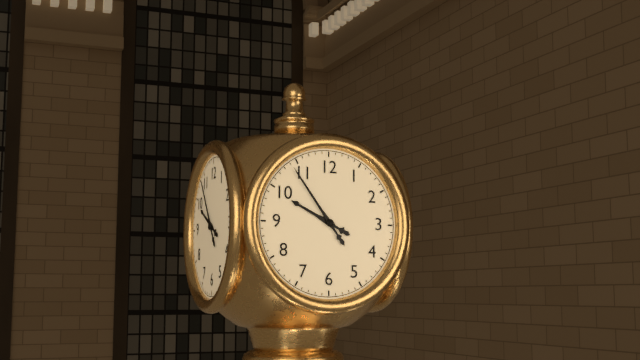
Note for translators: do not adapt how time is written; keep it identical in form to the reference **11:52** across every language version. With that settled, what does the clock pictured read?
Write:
**9:54**
